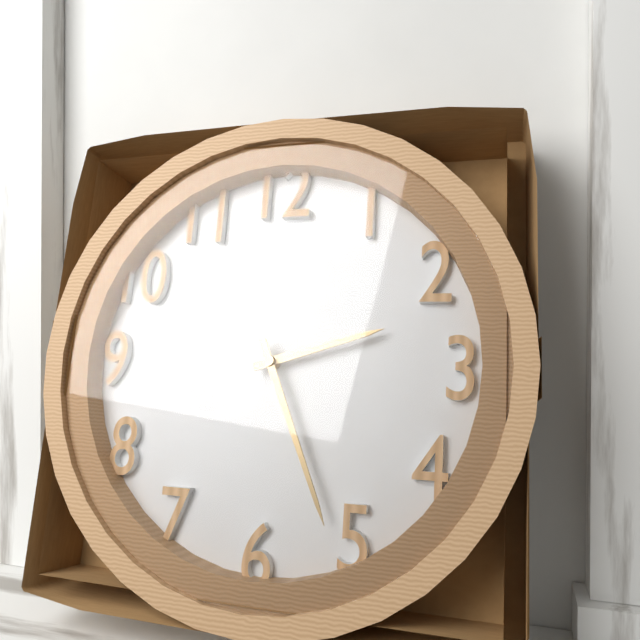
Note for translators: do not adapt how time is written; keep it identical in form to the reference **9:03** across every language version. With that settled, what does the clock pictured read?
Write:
**2:26**
